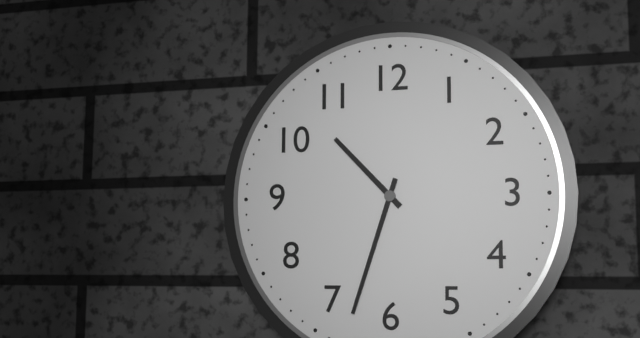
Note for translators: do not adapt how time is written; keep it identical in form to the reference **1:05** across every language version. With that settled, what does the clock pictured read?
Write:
**10:33**
